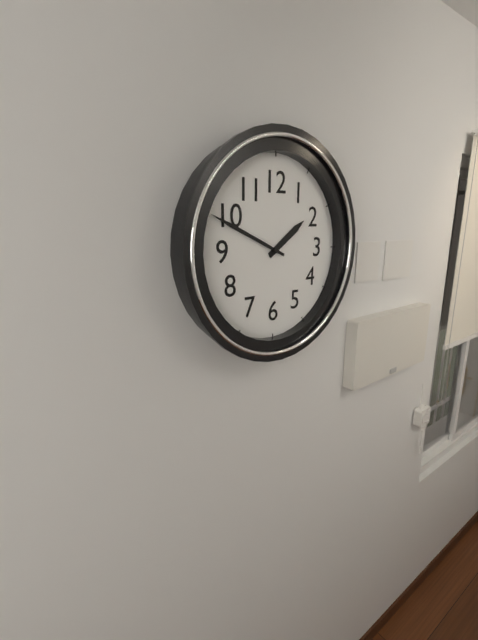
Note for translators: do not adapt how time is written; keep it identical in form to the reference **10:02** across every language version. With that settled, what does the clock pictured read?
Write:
**1:49**
